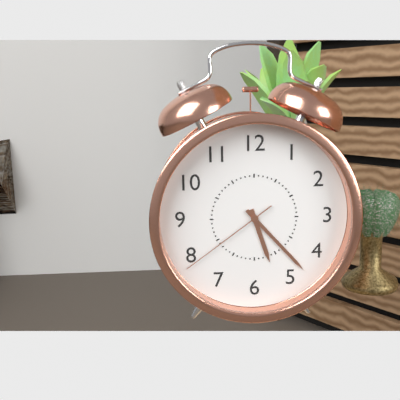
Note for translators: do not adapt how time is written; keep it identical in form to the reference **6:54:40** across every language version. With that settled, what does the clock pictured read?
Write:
**5:23:39**
